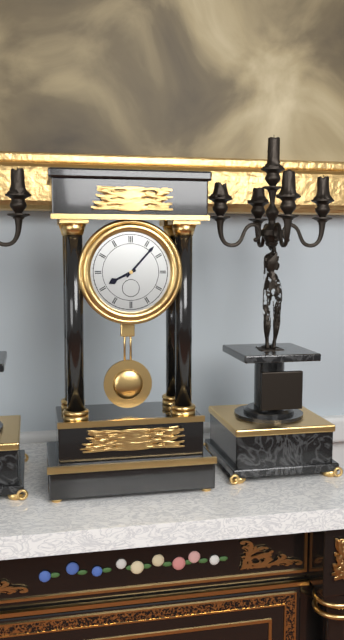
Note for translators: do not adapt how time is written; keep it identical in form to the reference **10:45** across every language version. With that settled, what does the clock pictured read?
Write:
**8:07**
